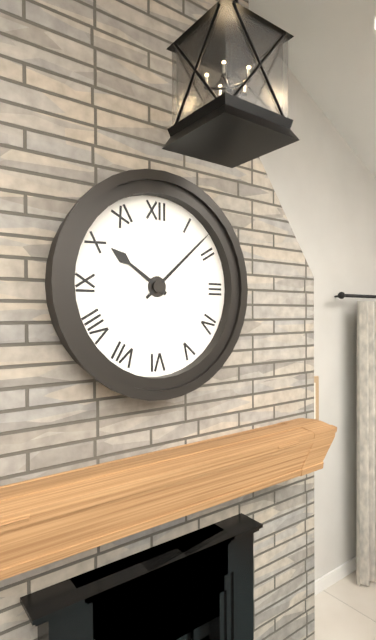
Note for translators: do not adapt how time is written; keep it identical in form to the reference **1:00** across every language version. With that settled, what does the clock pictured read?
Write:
**10:08**
